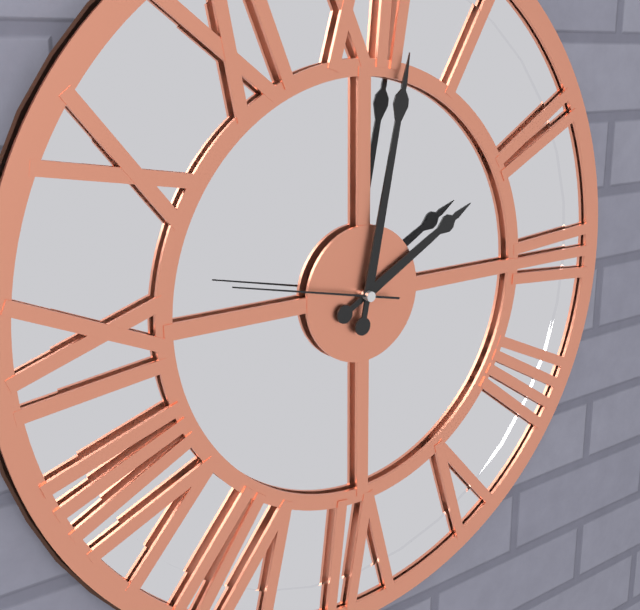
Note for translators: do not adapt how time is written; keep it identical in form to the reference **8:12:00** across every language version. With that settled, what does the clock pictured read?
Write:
**2:02:47**
